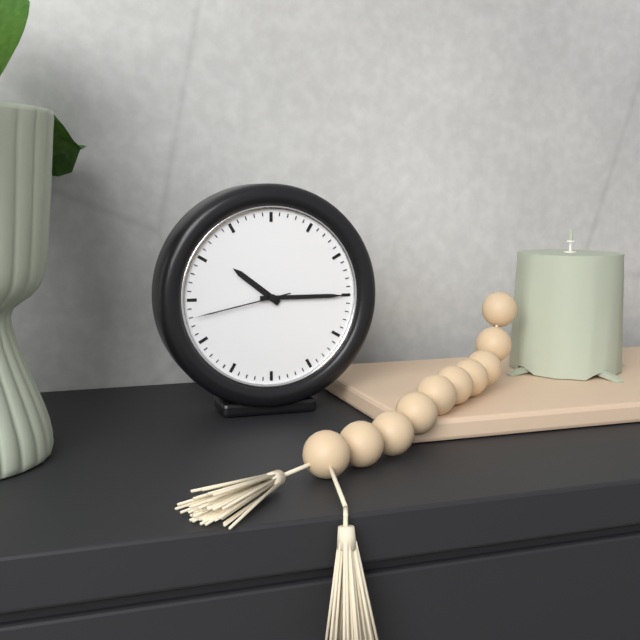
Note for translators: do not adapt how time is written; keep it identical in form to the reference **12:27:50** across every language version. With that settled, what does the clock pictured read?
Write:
**10:15:43**
